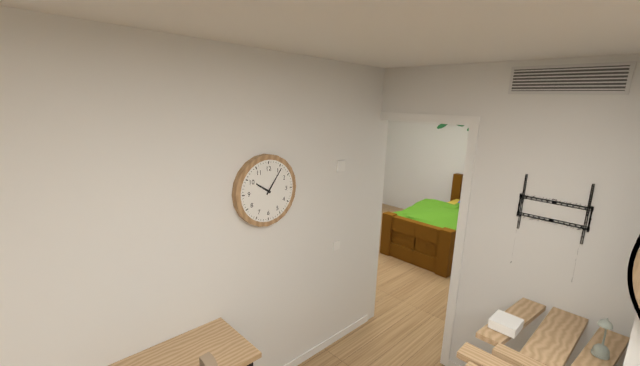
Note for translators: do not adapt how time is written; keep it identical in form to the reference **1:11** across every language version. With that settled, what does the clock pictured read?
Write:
**10:06**
